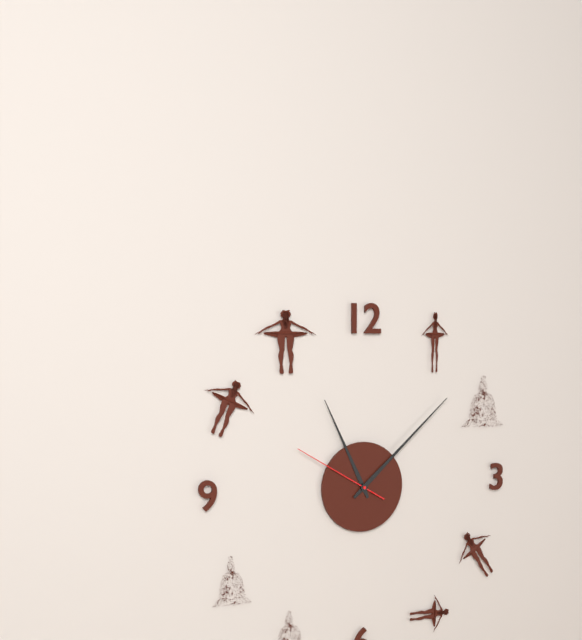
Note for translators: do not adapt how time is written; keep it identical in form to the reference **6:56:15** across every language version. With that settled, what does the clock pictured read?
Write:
**11:08:50**
